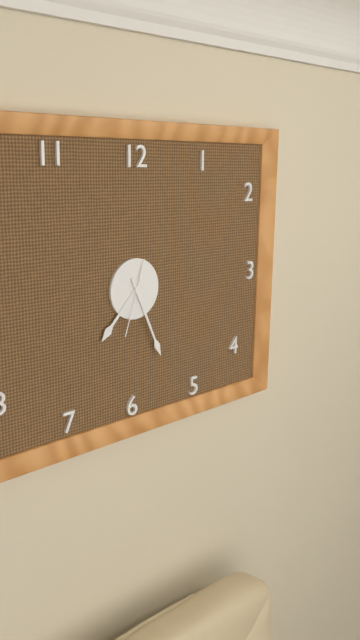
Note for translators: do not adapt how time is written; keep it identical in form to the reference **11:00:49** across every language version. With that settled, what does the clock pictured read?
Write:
**7:26:33**
